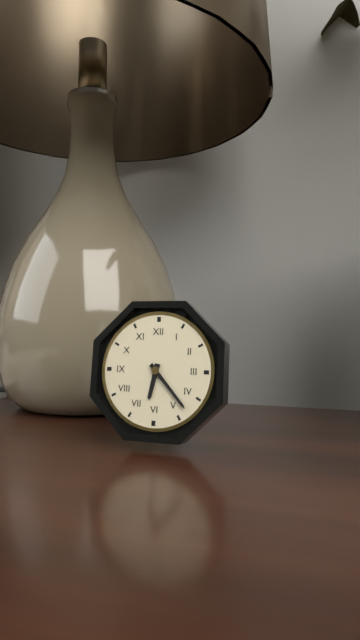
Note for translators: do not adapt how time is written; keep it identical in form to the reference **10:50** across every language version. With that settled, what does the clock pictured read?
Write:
**6:23**
